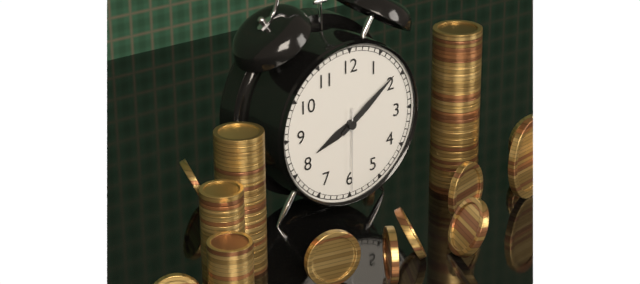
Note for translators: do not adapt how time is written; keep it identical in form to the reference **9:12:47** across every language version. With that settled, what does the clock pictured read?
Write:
**8:09:30**
